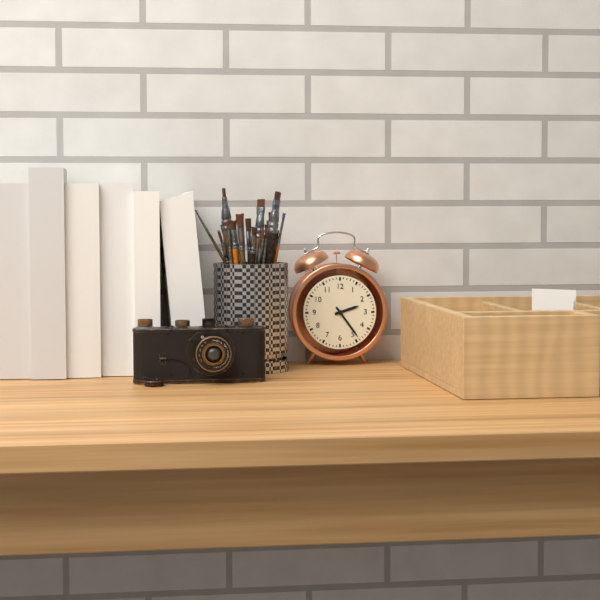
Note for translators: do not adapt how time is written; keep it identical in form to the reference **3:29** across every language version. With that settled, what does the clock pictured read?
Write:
**2:24**
